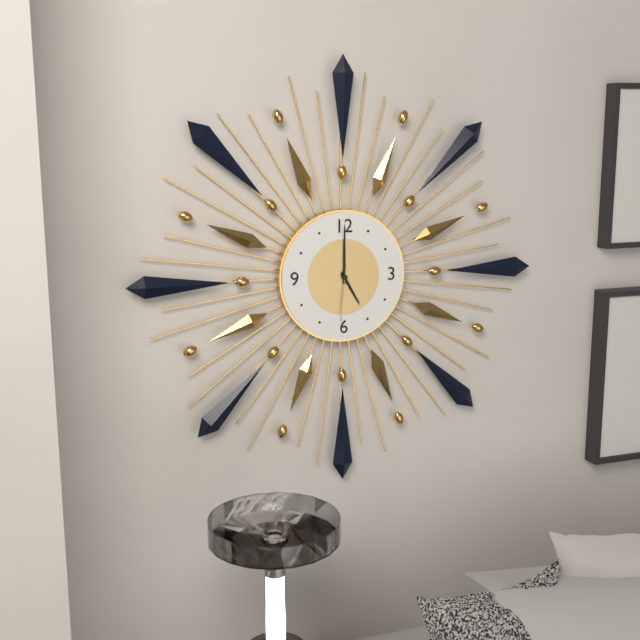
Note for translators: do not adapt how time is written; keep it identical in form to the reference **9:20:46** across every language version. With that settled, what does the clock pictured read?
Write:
**5:00:31**
